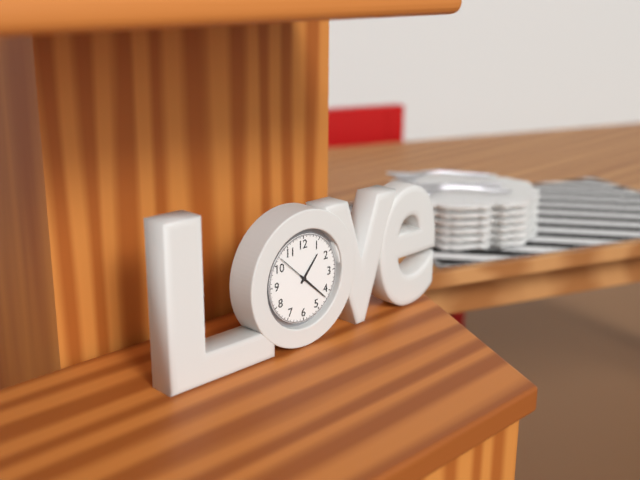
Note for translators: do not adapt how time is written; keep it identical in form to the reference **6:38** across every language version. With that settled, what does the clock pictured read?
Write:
**1:22**
